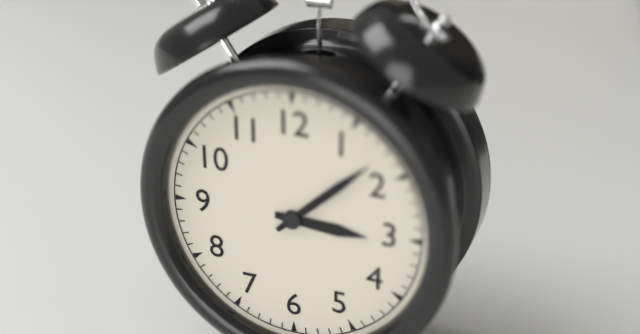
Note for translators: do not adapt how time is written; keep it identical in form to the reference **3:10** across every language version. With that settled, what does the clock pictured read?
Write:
**3:08**
